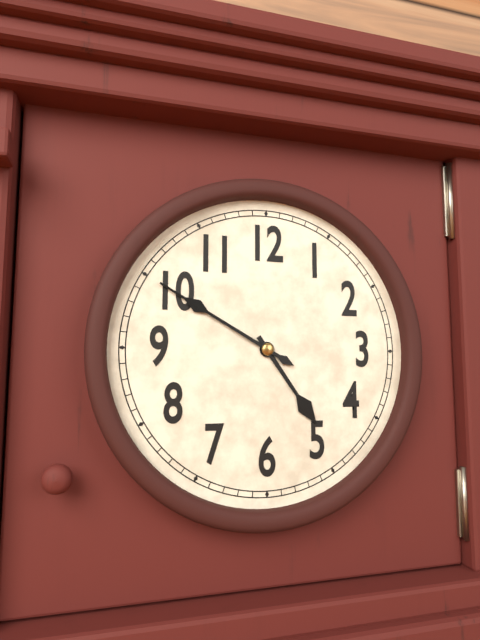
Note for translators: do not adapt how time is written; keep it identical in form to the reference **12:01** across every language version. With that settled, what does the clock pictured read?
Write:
**4:50**
